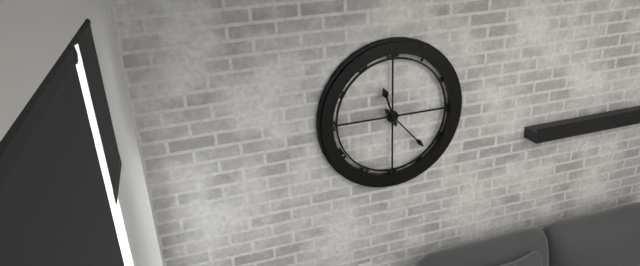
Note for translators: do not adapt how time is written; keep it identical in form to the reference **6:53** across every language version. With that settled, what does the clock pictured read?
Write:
**11:23**
